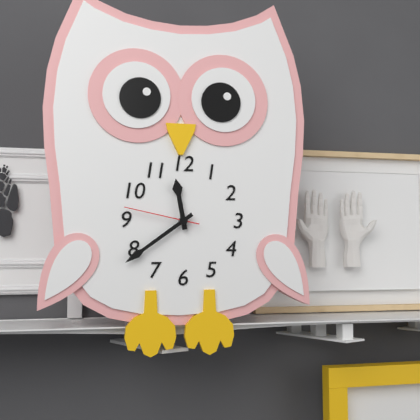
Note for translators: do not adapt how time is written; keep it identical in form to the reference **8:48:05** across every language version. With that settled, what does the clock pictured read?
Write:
**11:39:47**
